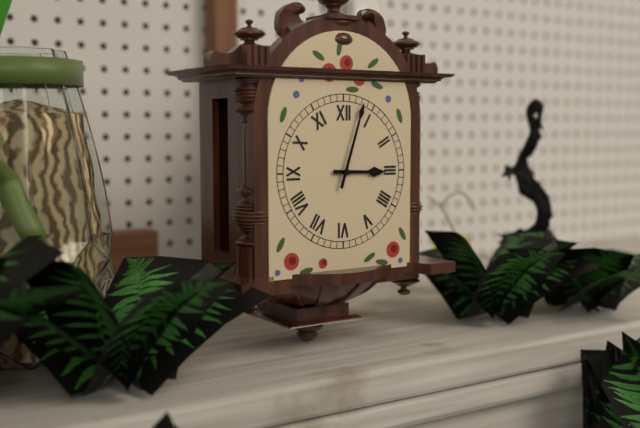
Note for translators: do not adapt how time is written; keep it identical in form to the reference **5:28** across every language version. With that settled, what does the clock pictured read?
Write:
**3:03**
